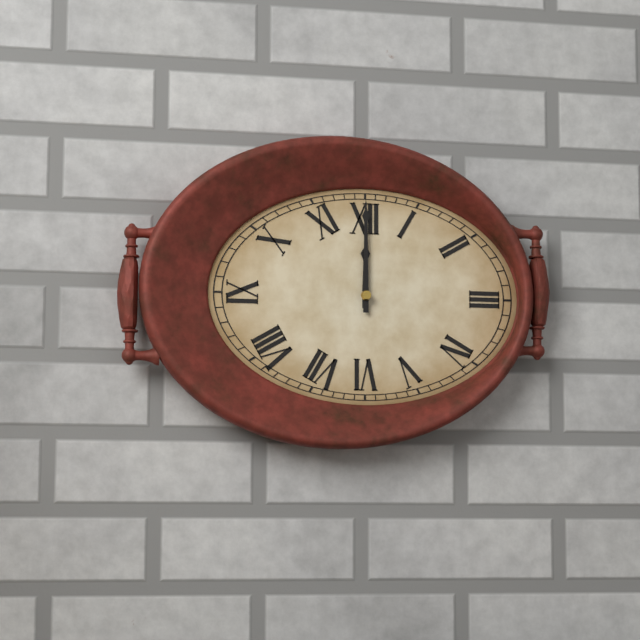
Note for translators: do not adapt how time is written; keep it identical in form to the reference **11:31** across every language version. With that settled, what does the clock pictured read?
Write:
**12:00**
